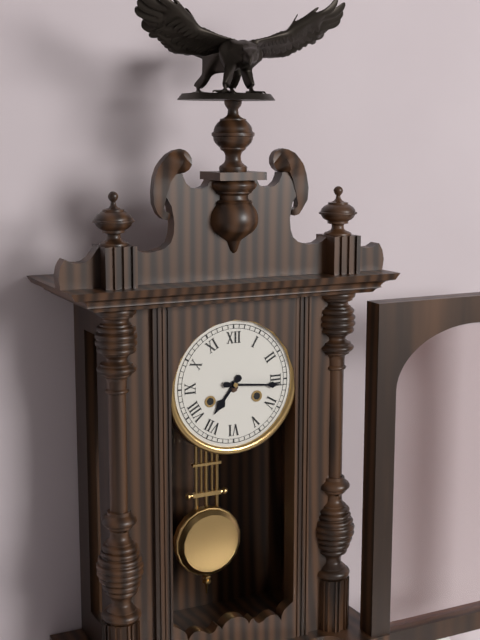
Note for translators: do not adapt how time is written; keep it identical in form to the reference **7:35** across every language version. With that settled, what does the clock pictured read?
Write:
**7:16**
